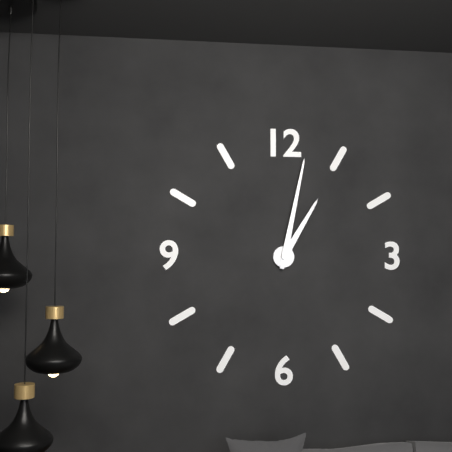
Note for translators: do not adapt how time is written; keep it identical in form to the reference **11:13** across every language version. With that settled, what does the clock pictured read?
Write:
**1:02**
